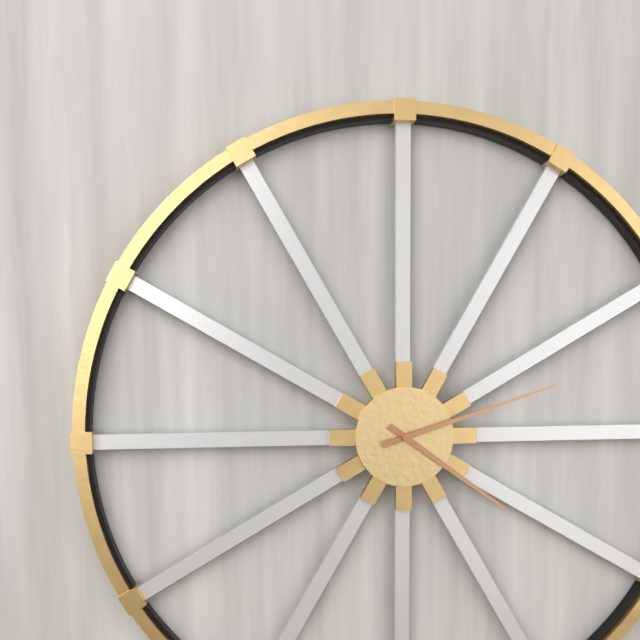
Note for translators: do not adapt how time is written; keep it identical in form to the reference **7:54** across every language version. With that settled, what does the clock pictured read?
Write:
**4:12**
